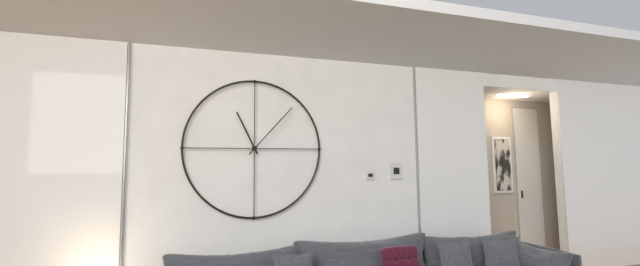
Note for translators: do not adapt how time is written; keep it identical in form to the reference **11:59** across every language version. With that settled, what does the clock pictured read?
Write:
**11:07**
